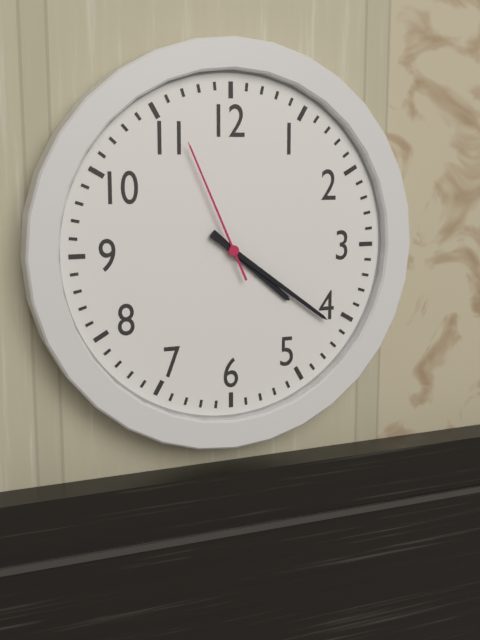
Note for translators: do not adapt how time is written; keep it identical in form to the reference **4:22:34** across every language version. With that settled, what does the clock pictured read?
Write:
**4:21:56**
